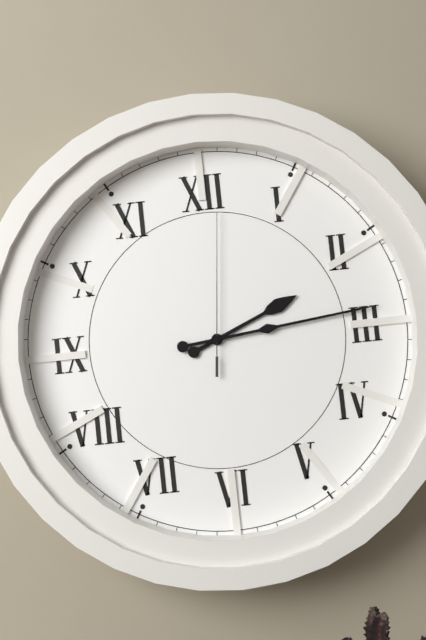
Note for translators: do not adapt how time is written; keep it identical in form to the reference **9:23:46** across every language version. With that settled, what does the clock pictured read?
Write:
**2:14:01**
